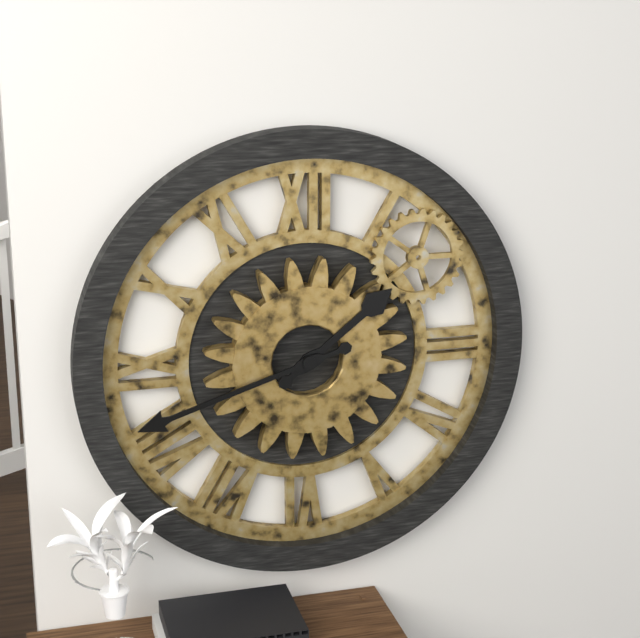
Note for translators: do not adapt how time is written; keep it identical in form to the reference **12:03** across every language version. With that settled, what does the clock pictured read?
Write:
**1:42**
